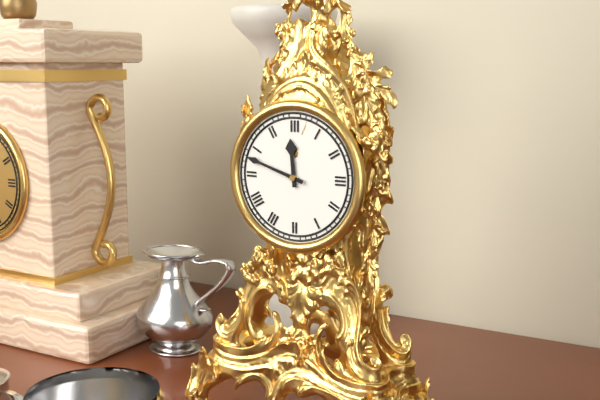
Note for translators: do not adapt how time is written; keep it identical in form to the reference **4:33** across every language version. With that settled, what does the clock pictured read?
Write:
**11:48**
